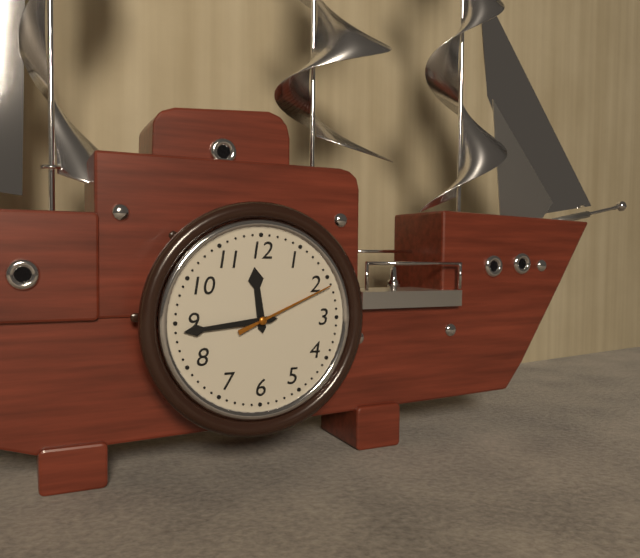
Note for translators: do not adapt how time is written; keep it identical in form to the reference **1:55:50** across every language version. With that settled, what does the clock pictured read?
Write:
**11:44:11**
